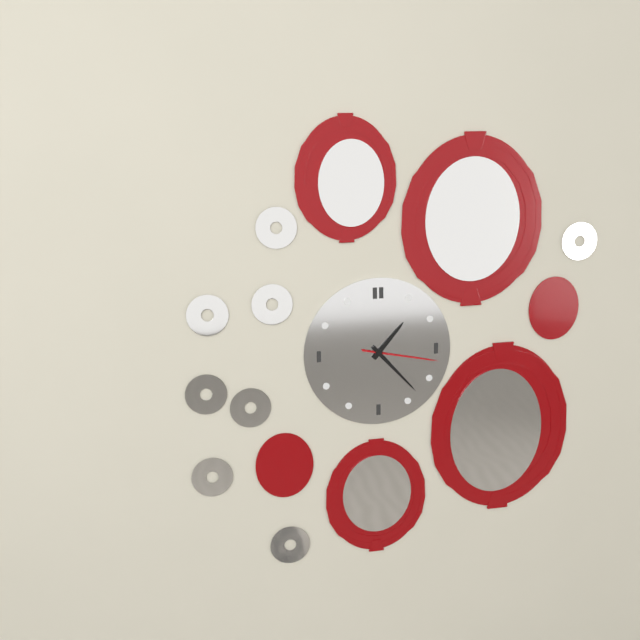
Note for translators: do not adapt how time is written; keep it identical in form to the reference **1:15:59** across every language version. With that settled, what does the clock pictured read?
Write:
**1:23:17**
